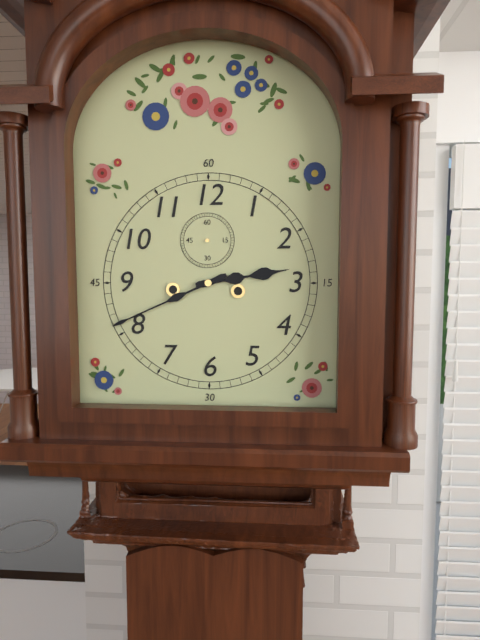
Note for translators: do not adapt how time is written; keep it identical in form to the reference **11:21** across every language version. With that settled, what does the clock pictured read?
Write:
**2:41**
